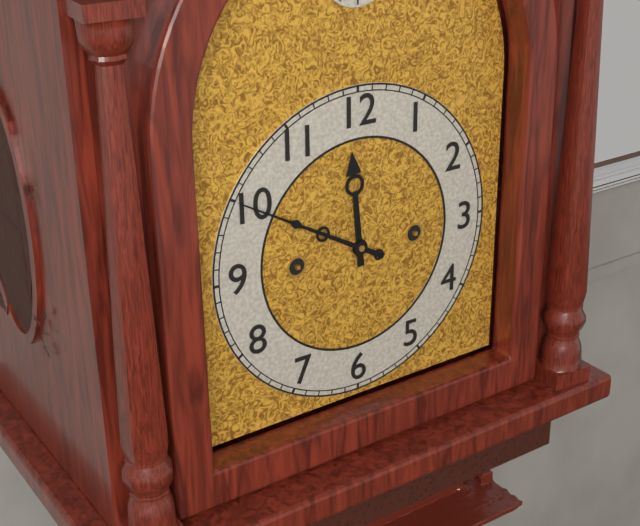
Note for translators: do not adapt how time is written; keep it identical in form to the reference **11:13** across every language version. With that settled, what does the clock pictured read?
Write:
**11:50**
